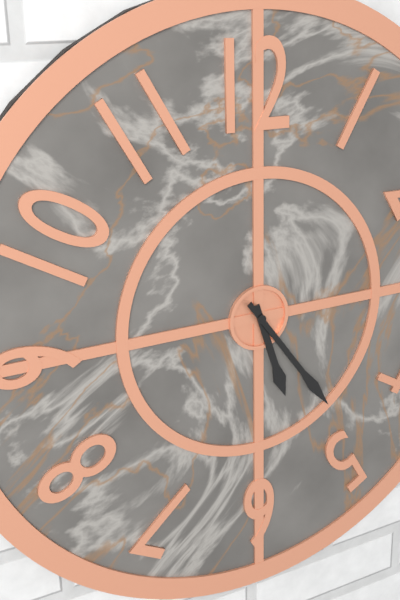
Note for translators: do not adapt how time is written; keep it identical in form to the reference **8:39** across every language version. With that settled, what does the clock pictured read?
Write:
**5:24**
